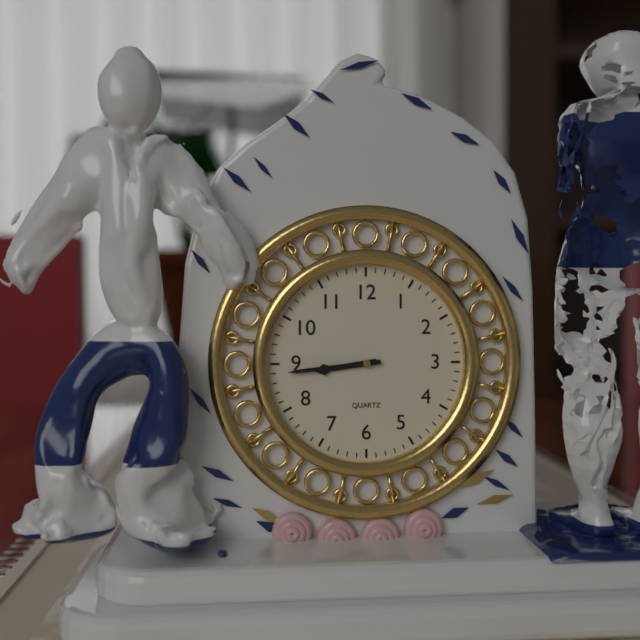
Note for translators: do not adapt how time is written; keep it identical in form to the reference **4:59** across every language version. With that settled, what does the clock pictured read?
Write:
**8:44**
